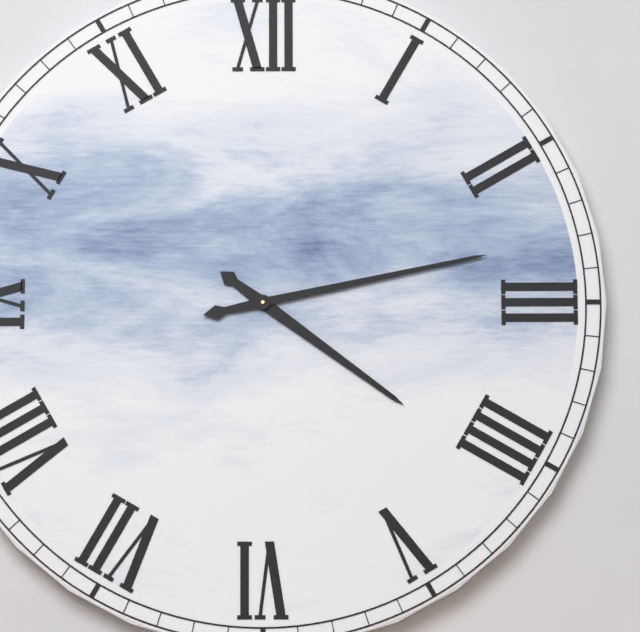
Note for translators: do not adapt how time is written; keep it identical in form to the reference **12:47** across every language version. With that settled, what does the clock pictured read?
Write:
**4:13**
